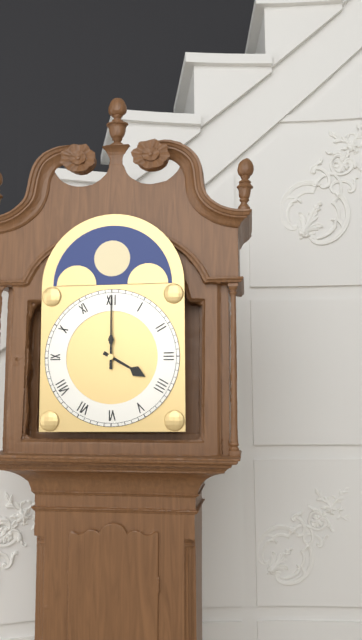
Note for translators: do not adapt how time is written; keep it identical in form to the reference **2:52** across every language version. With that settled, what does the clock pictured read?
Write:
**4:00**
